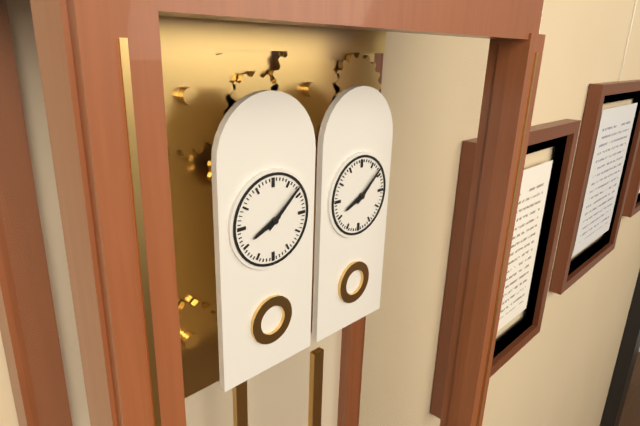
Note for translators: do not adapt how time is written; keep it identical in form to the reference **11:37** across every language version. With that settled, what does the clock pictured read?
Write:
**8:08**
